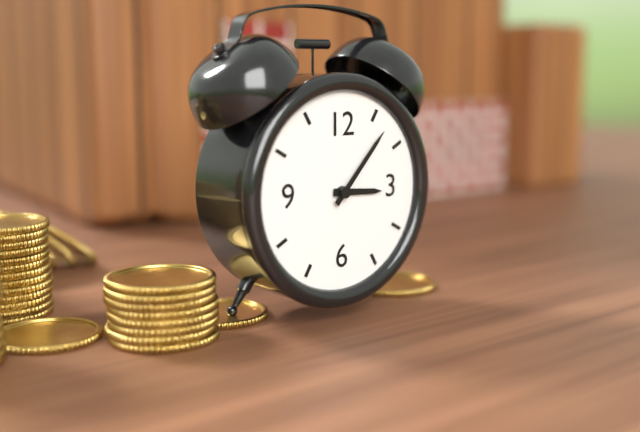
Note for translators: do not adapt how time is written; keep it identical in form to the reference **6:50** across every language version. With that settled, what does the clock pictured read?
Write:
**3:07**
